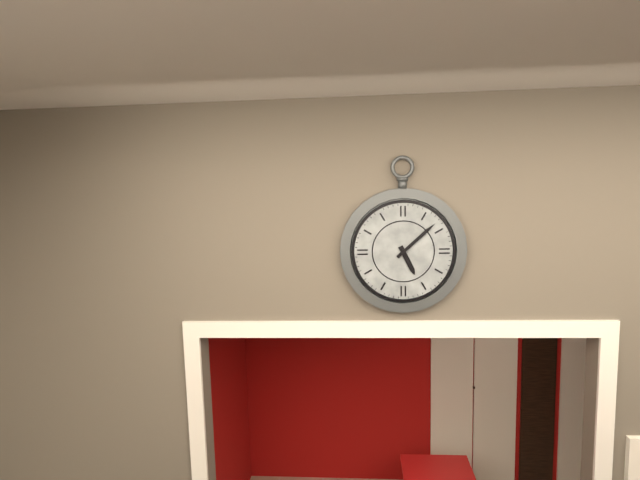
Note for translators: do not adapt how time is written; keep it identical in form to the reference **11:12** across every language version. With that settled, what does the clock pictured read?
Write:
**5:08**
